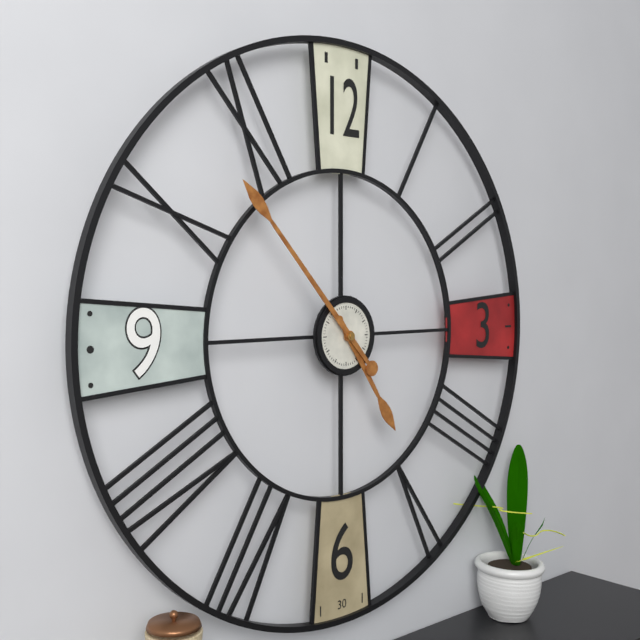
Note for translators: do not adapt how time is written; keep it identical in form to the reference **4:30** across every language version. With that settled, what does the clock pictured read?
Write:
**4:53**
